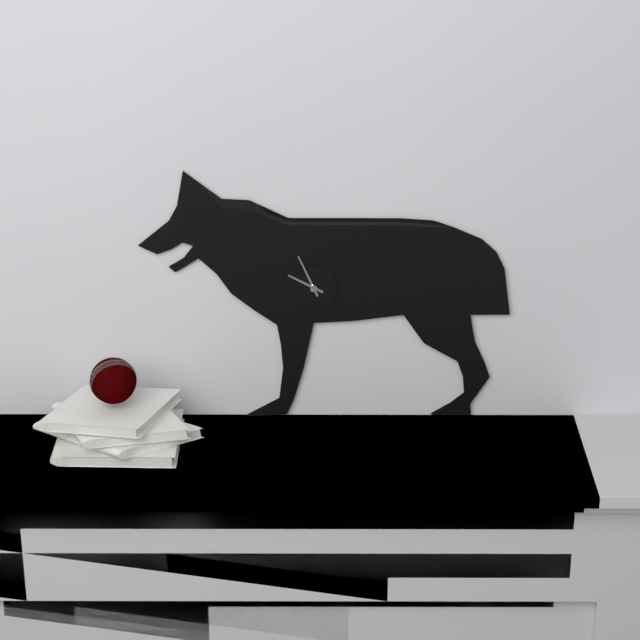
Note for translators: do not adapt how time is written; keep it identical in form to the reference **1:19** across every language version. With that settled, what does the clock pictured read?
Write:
**9:56**
